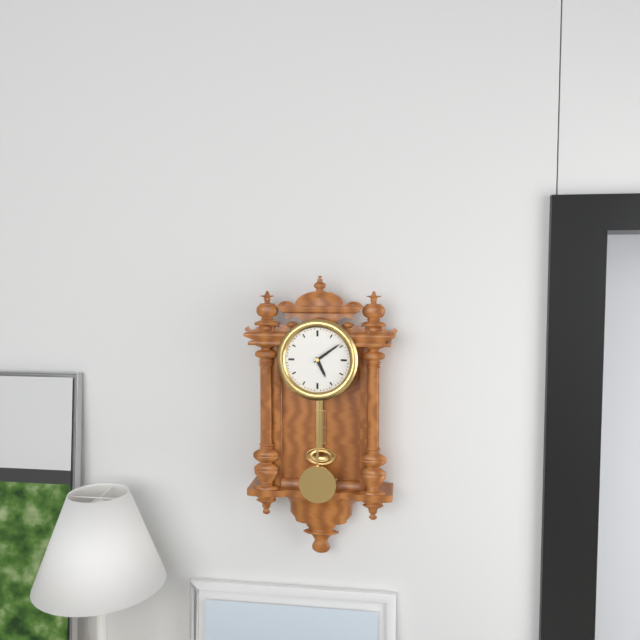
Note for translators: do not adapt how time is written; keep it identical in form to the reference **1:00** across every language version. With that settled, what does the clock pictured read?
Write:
**5:09**
